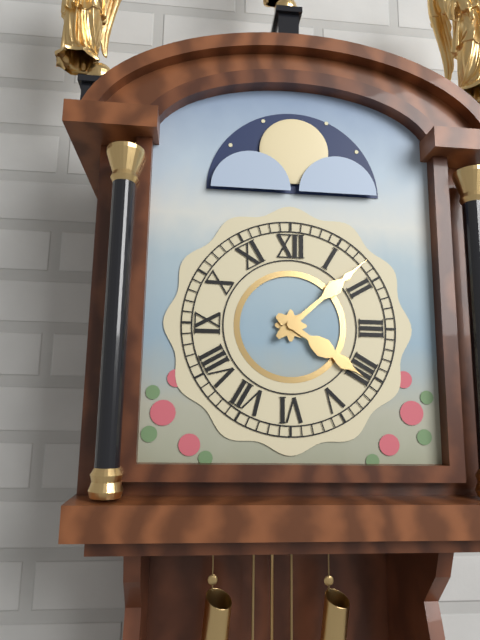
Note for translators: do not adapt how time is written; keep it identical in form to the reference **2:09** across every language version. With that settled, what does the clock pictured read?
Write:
**4:08**
